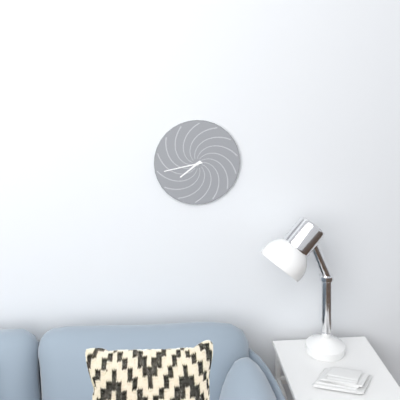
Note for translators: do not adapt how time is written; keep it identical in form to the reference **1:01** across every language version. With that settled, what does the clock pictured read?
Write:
**7:43**
